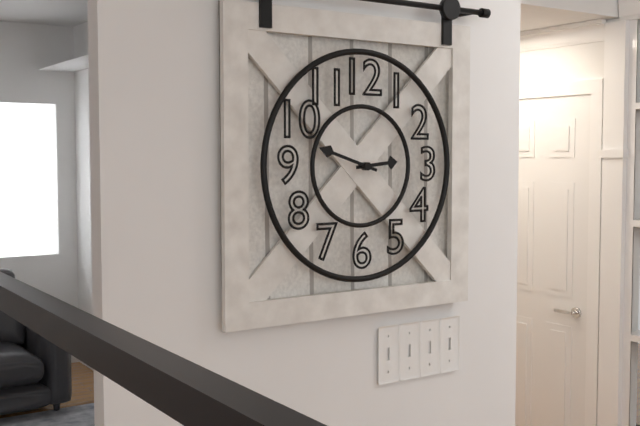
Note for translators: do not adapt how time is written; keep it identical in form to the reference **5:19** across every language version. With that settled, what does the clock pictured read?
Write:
**2:48**
